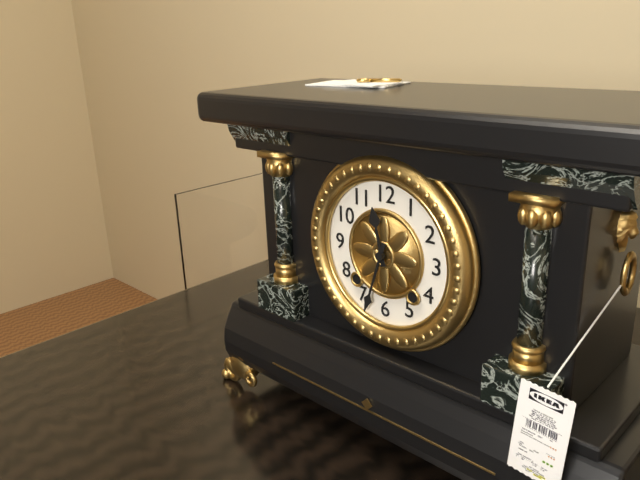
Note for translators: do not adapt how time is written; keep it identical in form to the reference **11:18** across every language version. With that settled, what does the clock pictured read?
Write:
**11:33**
